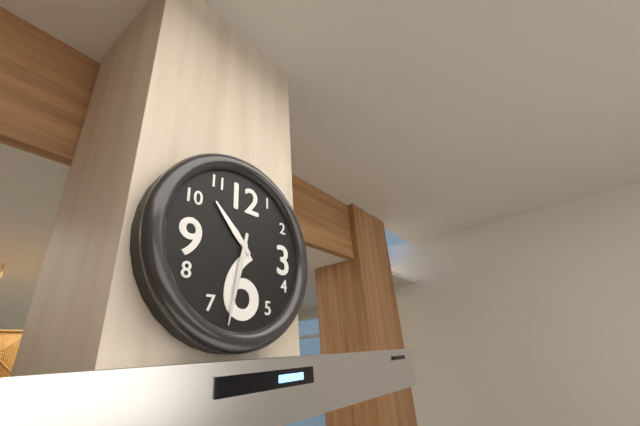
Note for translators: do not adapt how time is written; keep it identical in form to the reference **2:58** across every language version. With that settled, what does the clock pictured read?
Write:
**10:32**
